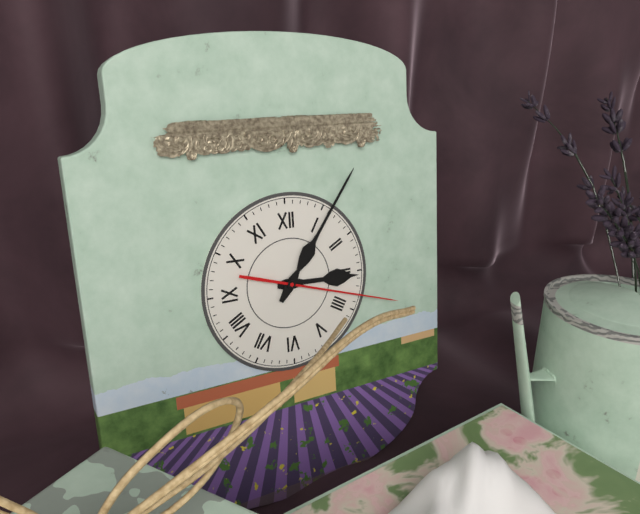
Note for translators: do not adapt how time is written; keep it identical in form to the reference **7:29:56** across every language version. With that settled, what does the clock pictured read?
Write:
**3:06:18**
